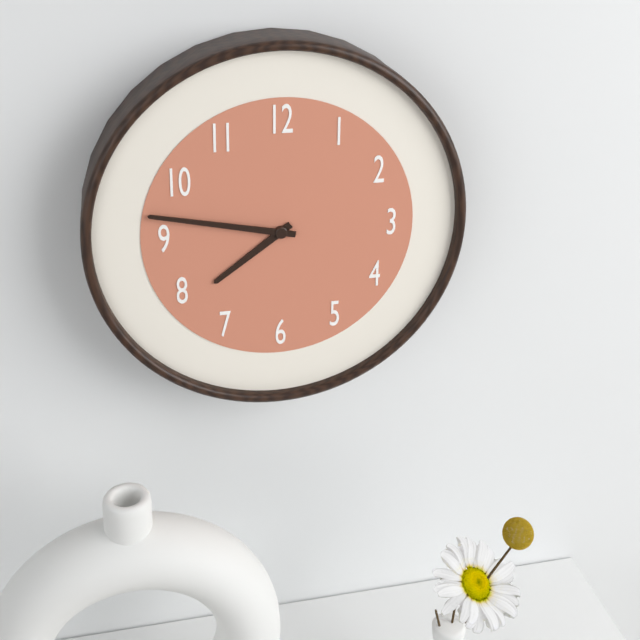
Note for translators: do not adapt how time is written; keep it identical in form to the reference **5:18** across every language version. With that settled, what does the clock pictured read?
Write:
**7:47**
